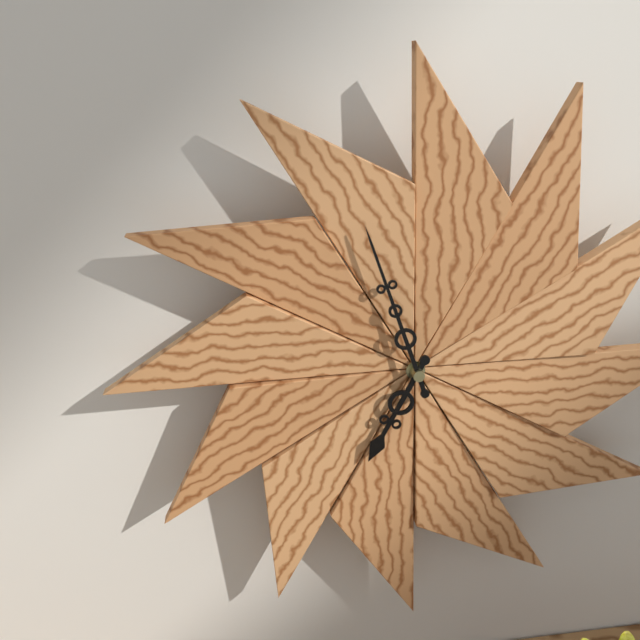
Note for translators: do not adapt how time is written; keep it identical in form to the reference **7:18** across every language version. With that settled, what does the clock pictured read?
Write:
**6:57**
